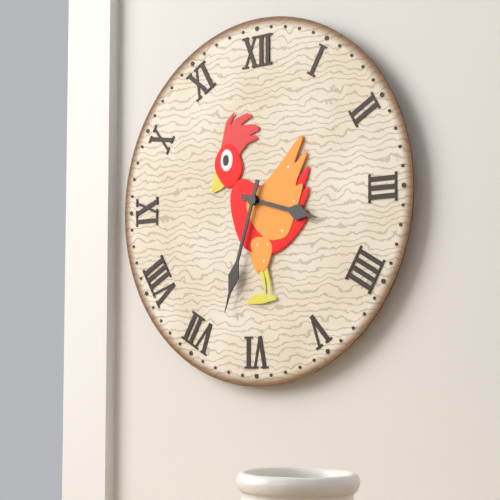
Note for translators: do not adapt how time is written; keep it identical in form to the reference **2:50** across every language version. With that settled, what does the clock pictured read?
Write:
**3:33**
